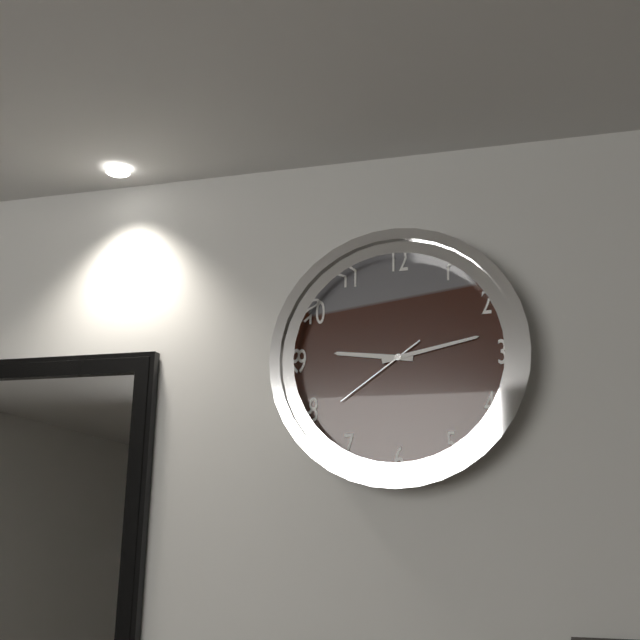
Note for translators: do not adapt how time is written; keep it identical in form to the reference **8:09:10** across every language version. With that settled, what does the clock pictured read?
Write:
**9:13:39**
